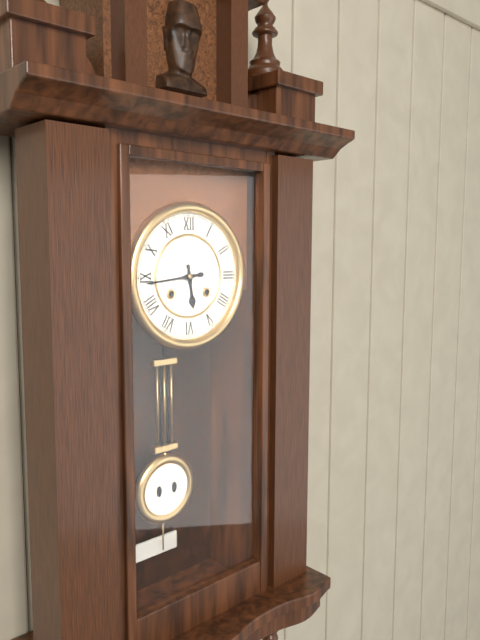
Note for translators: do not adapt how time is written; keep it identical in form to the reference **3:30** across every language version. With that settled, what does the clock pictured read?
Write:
**5:44**
